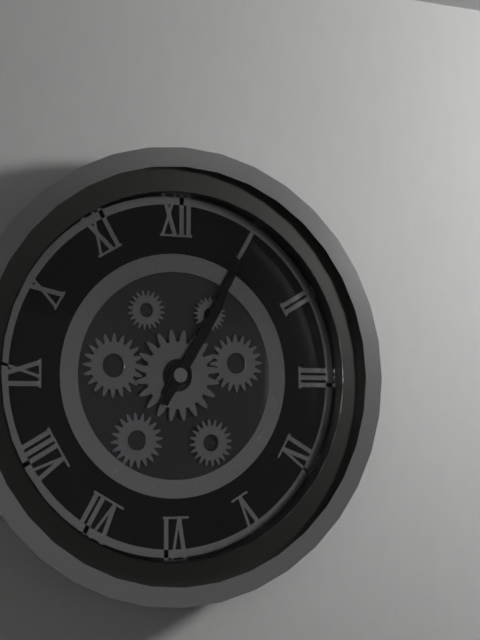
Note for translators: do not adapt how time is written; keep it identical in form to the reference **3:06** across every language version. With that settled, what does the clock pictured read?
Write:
**1:05**
